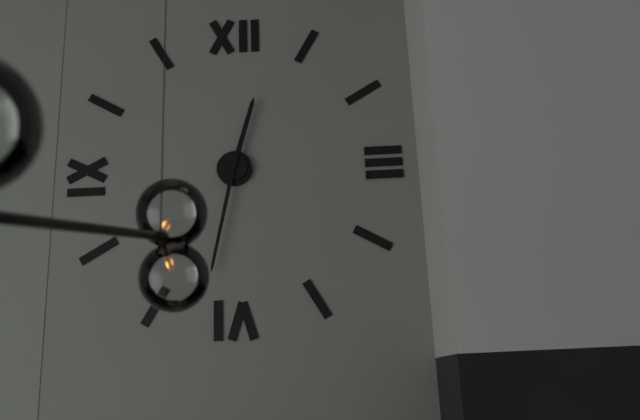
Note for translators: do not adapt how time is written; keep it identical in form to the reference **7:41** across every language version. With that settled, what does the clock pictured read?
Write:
**12:32**
